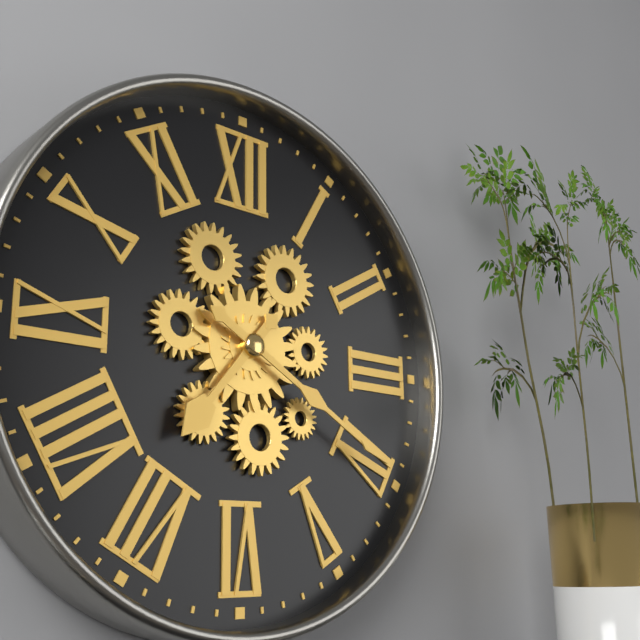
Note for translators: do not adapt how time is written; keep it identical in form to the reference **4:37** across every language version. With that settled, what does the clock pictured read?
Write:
**7:20**
